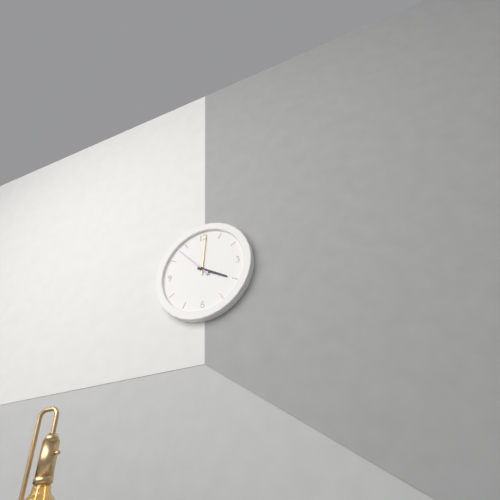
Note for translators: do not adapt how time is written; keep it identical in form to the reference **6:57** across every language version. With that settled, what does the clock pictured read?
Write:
**4:01**
